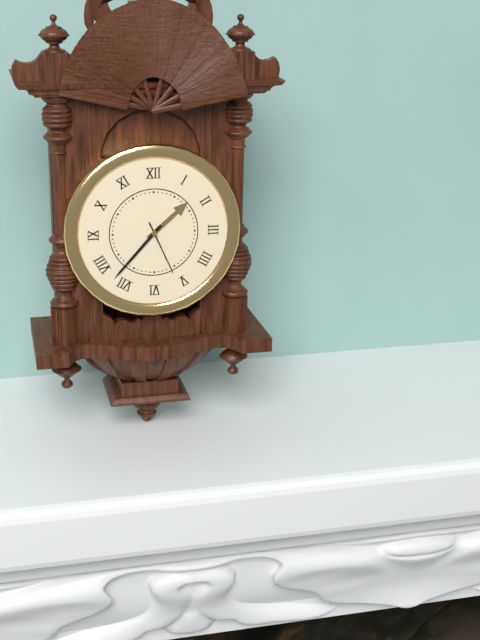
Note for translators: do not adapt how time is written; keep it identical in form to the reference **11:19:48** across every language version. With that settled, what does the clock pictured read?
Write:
**1:37:26**
